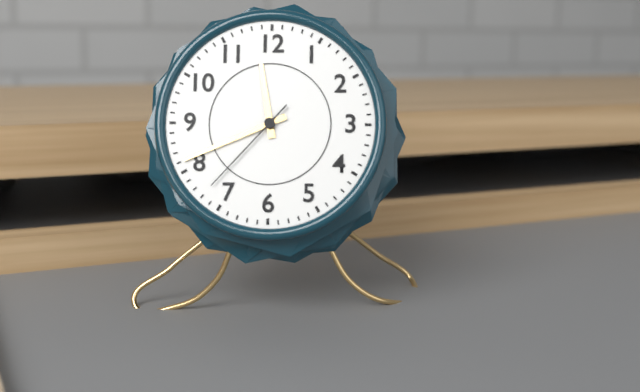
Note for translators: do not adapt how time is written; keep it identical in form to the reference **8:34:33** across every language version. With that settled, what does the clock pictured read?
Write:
**11:41:37**
